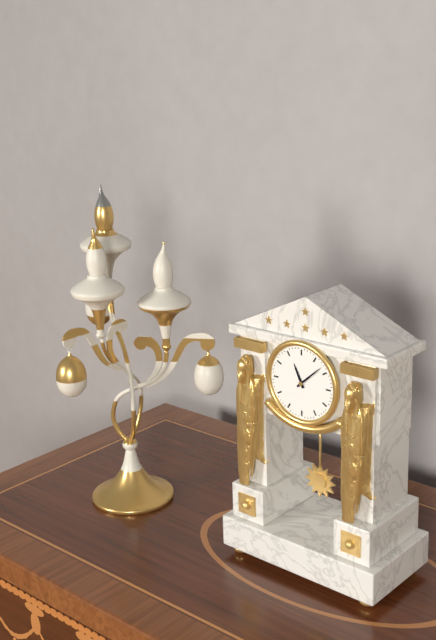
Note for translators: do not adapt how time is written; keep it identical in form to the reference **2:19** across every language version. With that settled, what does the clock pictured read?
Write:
**11:08**
